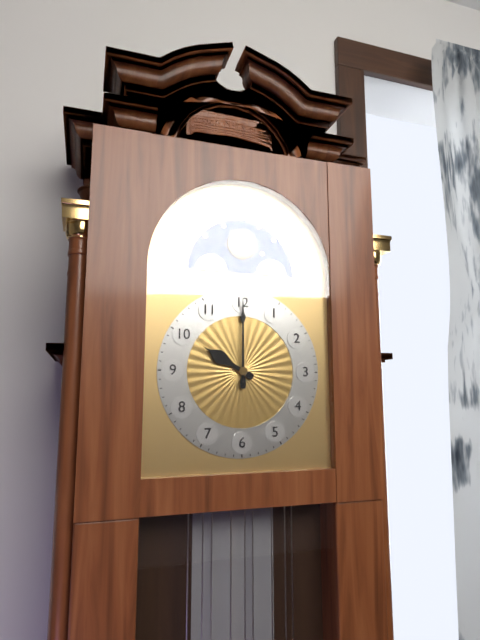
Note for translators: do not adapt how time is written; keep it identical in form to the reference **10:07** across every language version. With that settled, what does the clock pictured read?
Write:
**10:00**
